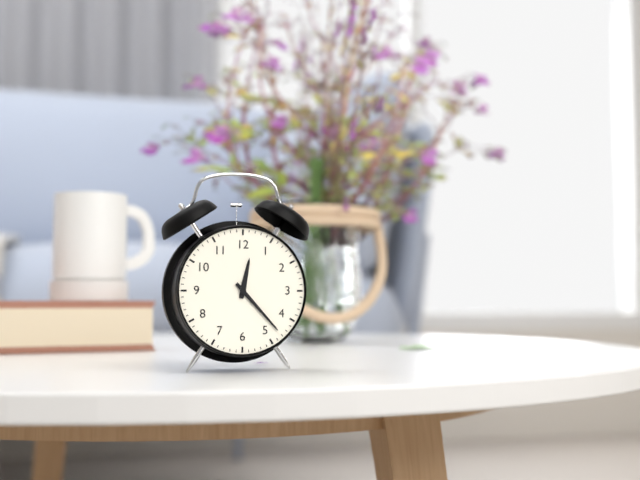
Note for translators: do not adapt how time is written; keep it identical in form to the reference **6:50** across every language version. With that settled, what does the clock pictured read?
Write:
**12:23**
